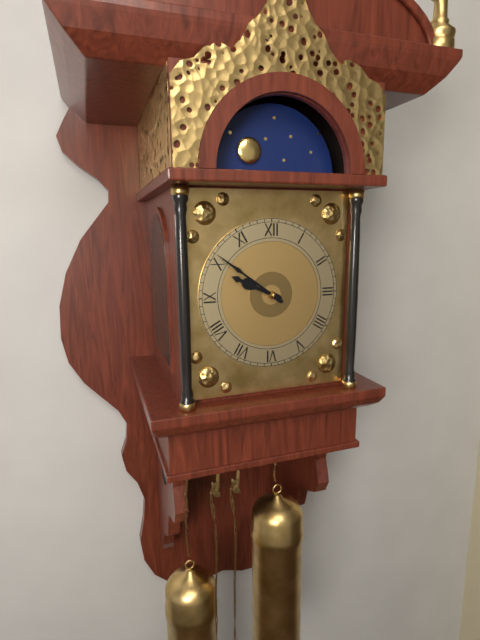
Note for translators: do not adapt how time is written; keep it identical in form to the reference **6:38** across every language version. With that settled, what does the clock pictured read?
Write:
**9:51**
